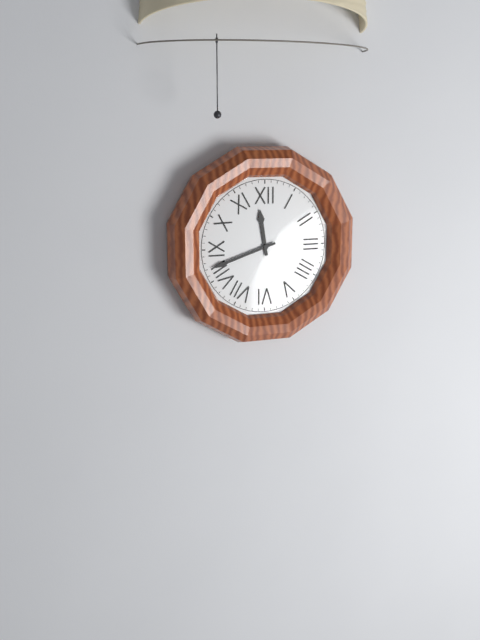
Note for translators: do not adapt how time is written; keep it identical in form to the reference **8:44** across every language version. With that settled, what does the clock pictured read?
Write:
**11:42**
